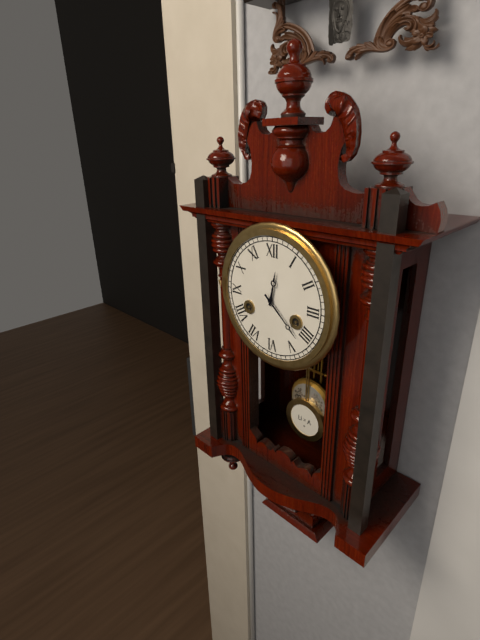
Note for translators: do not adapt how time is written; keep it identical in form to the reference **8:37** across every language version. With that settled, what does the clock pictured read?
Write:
**12:22**
